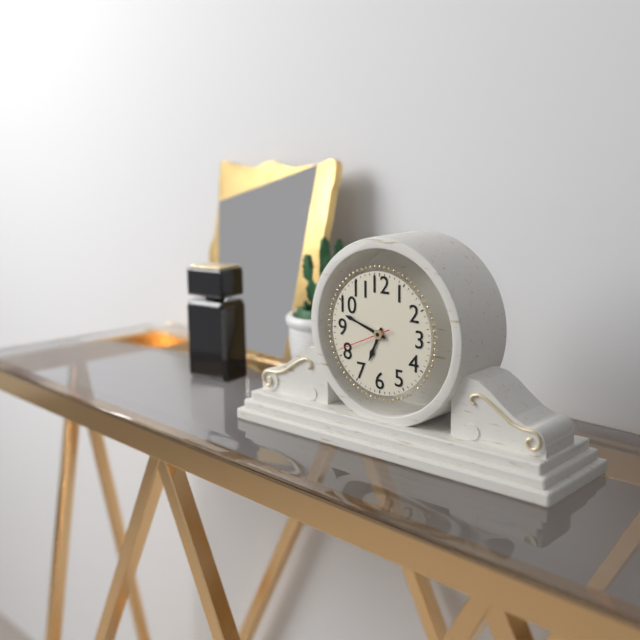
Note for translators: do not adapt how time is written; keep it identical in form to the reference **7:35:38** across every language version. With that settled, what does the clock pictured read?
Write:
**6:48:41**
